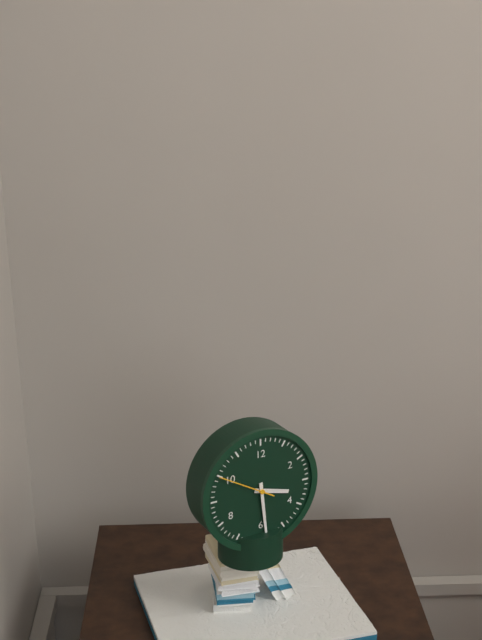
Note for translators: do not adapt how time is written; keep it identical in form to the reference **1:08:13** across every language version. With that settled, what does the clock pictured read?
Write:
**3:29:50**
